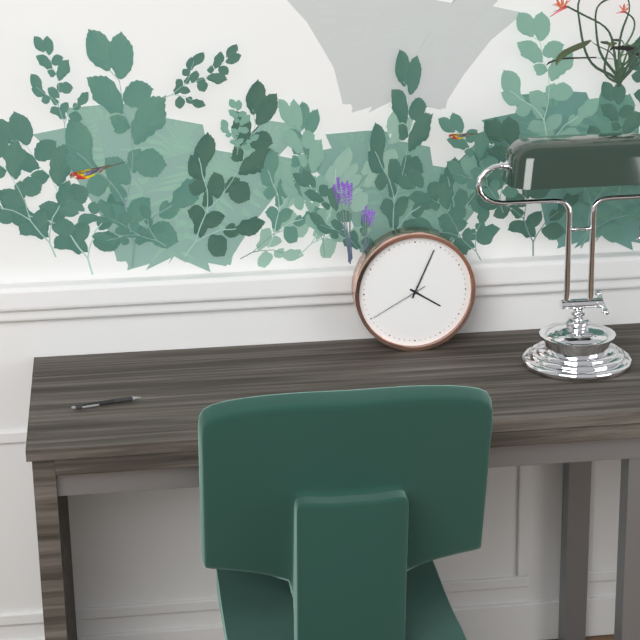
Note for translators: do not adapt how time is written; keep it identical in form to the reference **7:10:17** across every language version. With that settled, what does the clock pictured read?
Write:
**4:04:40**
